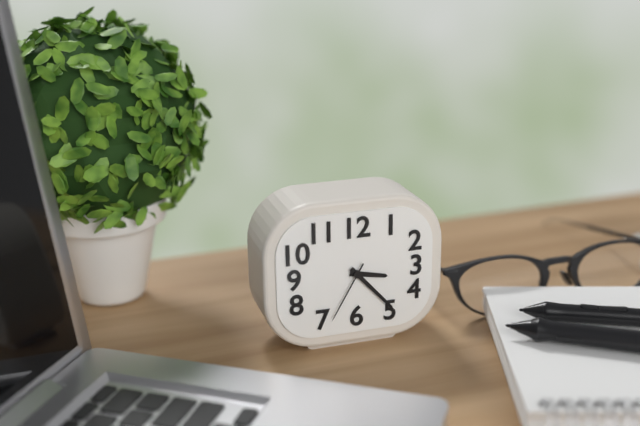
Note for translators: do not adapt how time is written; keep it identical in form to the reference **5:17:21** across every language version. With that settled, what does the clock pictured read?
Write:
**3:23:35**
